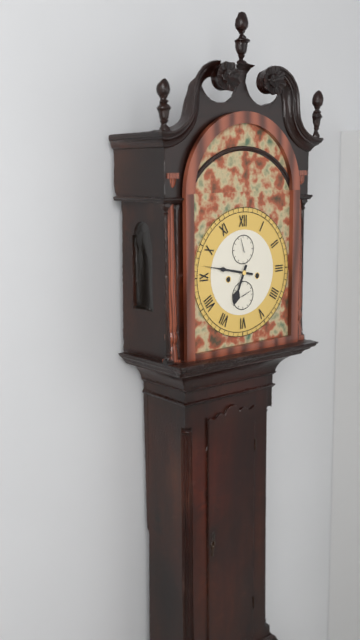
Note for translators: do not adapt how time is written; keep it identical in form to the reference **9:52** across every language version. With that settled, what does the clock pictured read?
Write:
**6:47**
